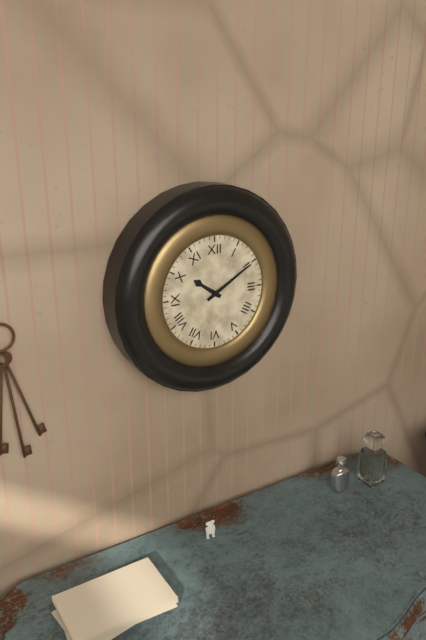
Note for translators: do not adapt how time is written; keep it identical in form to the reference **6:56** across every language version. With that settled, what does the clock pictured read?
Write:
**10:10**
